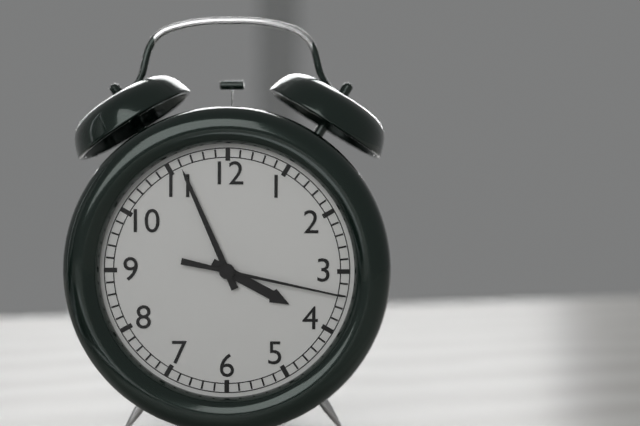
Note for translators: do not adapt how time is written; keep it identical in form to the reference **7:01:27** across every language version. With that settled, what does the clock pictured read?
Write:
**3:56:17**
